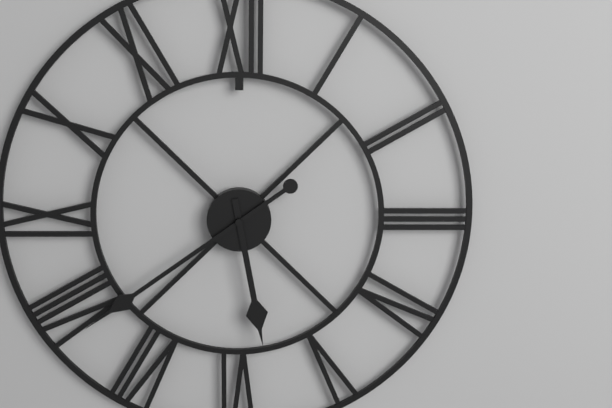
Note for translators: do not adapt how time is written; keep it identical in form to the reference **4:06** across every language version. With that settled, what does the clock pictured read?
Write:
**5:39**
